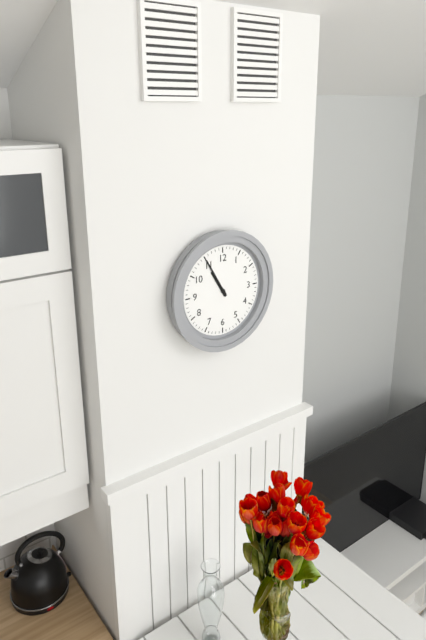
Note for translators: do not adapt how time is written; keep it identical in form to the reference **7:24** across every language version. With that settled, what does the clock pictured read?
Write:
**10:55**
